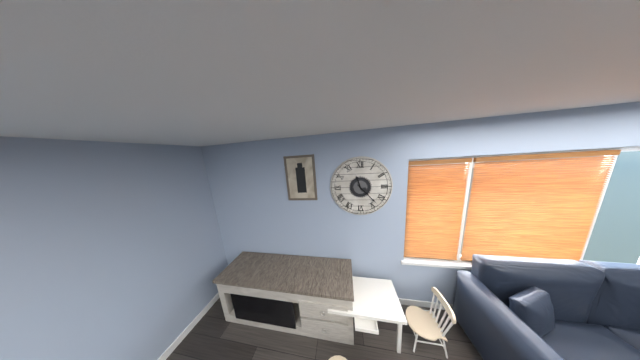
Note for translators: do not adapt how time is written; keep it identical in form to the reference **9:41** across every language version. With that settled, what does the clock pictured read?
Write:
**11:23**
